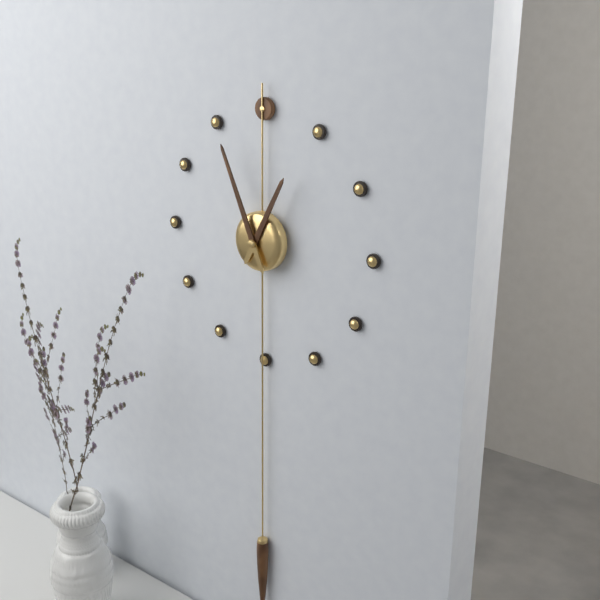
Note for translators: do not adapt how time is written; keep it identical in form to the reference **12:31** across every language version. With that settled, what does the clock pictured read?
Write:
**12:56**
